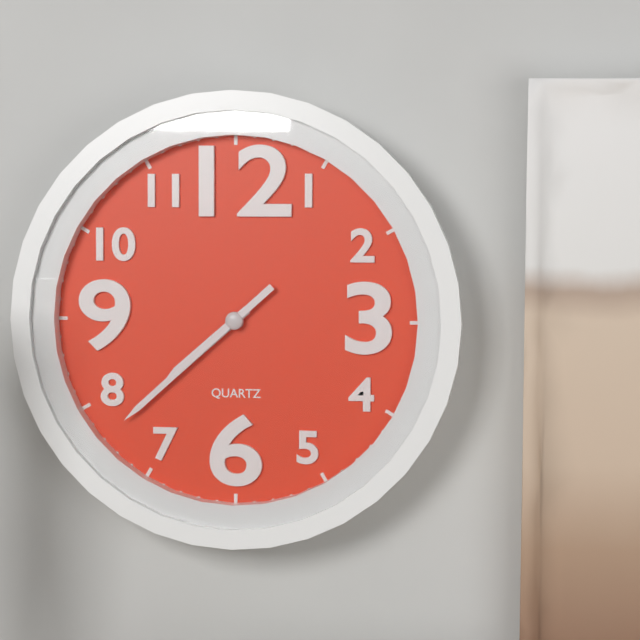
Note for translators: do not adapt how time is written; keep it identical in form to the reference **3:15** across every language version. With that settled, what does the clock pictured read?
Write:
**7:38**
